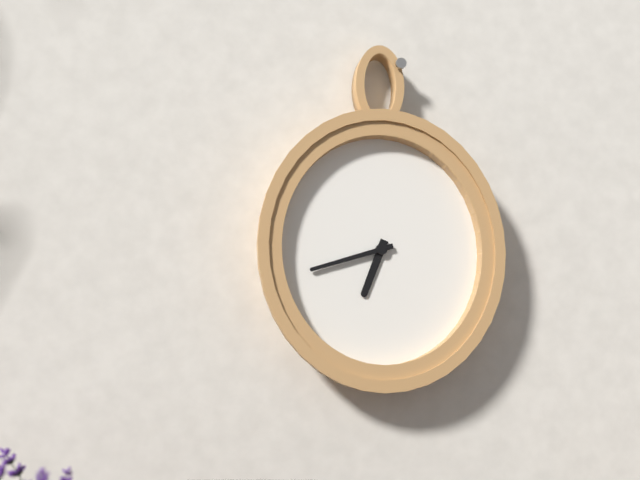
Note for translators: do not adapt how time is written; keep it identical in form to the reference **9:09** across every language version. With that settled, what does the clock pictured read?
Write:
**6:42**
